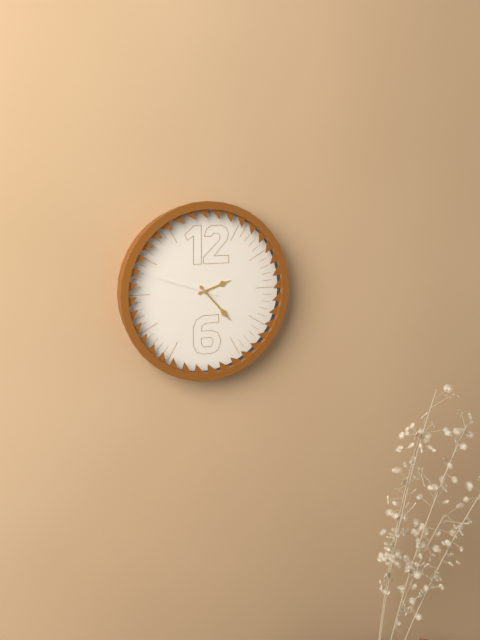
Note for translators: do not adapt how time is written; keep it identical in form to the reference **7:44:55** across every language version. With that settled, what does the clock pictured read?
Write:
**2:23:48**
